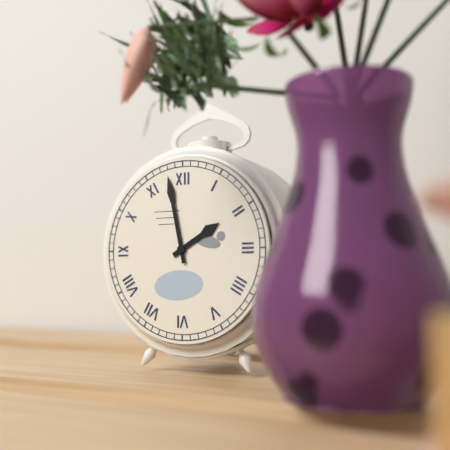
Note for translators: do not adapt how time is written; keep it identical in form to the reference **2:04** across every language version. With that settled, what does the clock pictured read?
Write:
**1:58**
